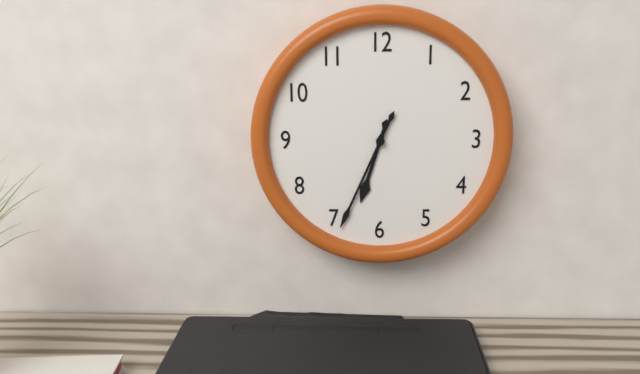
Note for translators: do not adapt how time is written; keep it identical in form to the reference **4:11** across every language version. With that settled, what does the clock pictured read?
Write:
**6:34**
